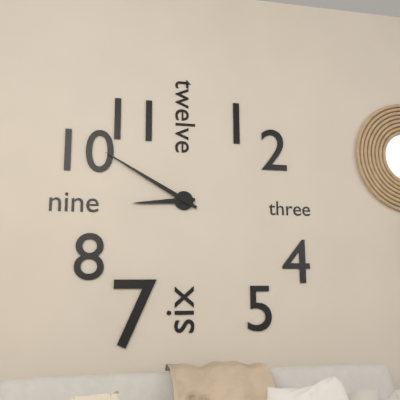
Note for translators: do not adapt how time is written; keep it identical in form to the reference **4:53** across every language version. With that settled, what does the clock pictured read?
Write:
**8:50**
